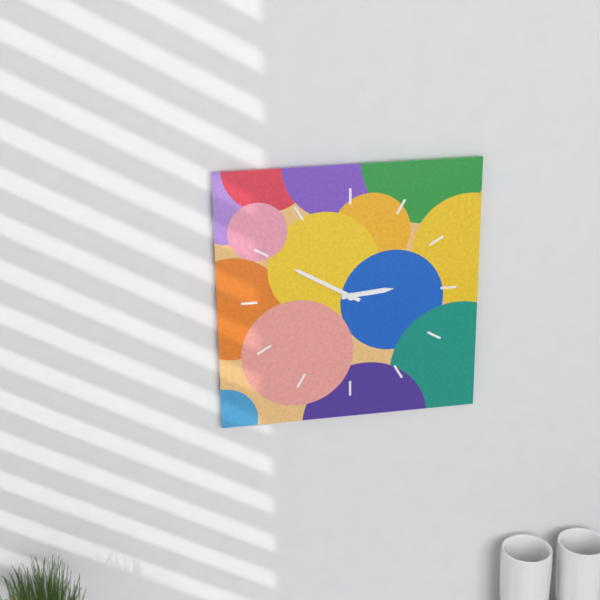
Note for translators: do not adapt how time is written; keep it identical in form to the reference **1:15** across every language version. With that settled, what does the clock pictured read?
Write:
**2:50**
